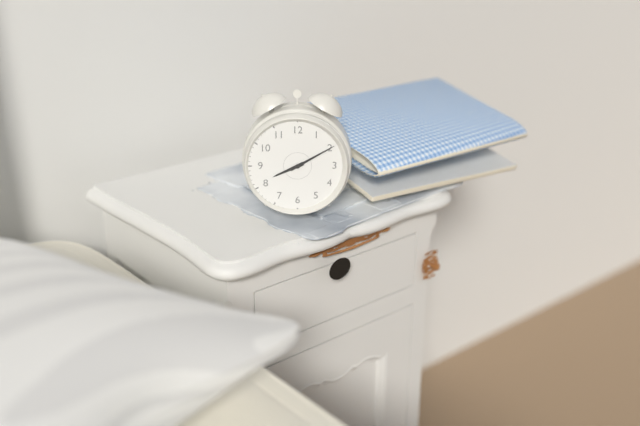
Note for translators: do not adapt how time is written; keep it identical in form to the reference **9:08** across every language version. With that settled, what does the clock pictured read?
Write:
**8:10**
